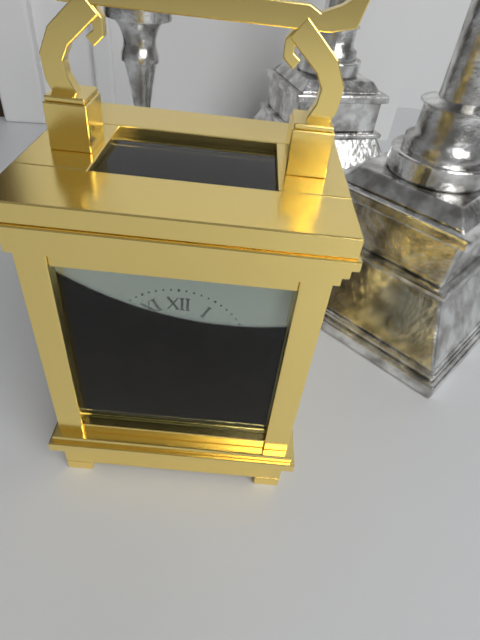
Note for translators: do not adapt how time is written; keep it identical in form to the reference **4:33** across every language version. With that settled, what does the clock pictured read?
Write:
**3:44**
